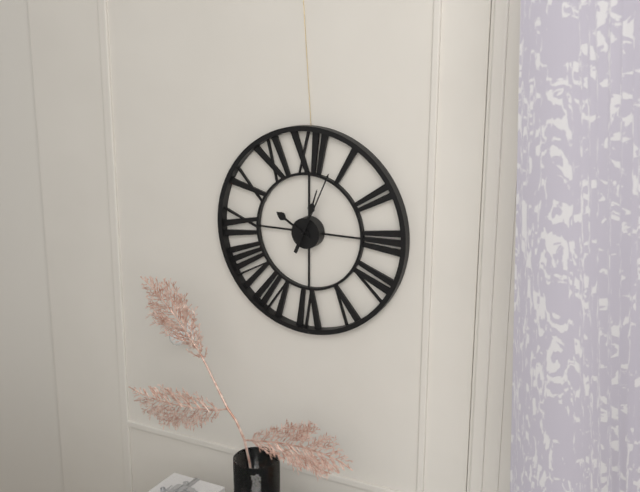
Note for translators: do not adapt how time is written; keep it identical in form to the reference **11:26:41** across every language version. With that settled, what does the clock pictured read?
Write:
**10:03:04**
